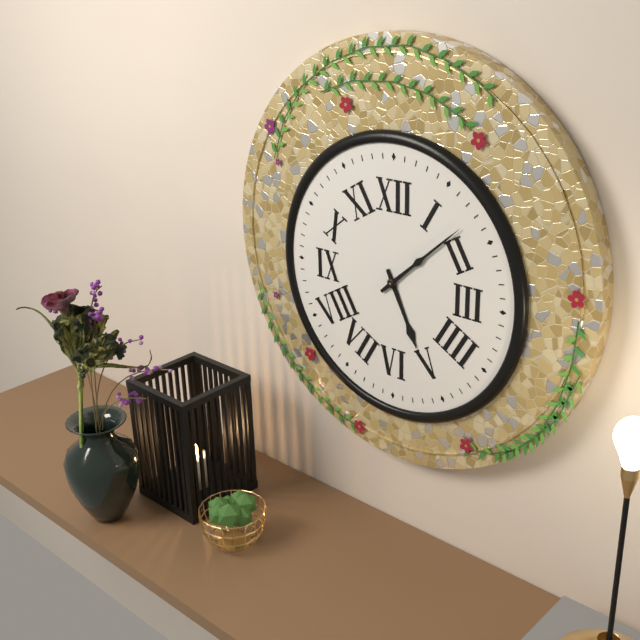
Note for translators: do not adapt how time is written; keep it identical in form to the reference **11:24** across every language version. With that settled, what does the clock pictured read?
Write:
**5:08**
